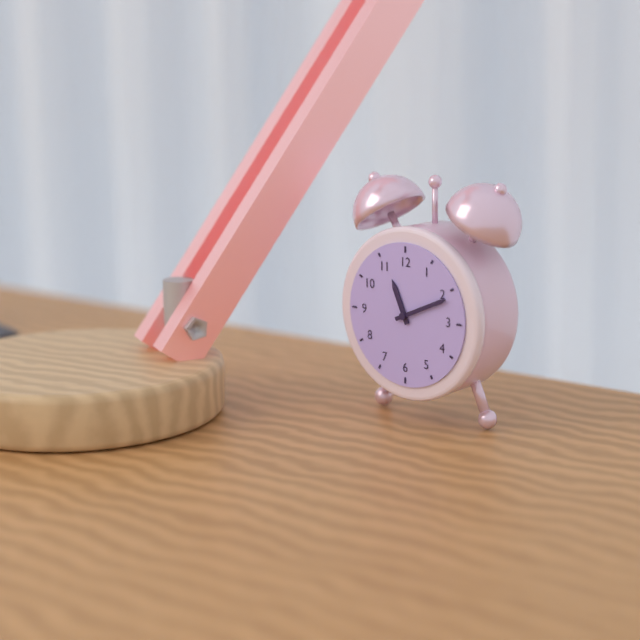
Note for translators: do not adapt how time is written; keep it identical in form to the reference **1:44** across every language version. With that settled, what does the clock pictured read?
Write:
**11:11**
